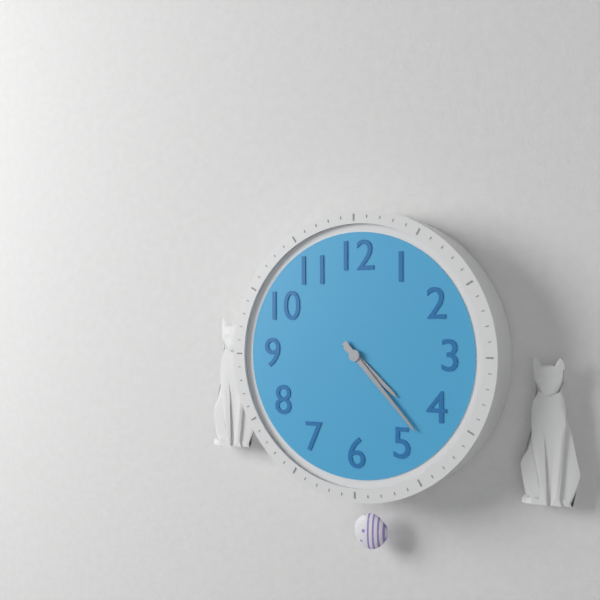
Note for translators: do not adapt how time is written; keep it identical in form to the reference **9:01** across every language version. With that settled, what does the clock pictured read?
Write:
**4:23**
